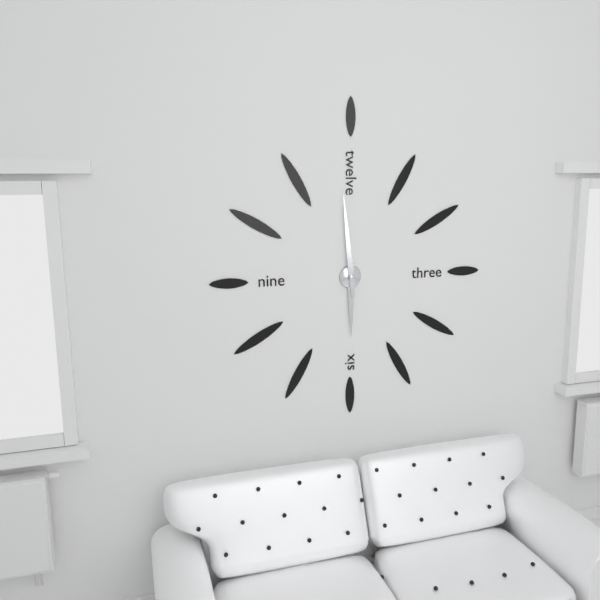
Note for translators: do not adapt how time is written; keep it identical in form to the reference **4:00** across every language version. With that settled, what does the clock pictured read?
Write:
**5:59**
